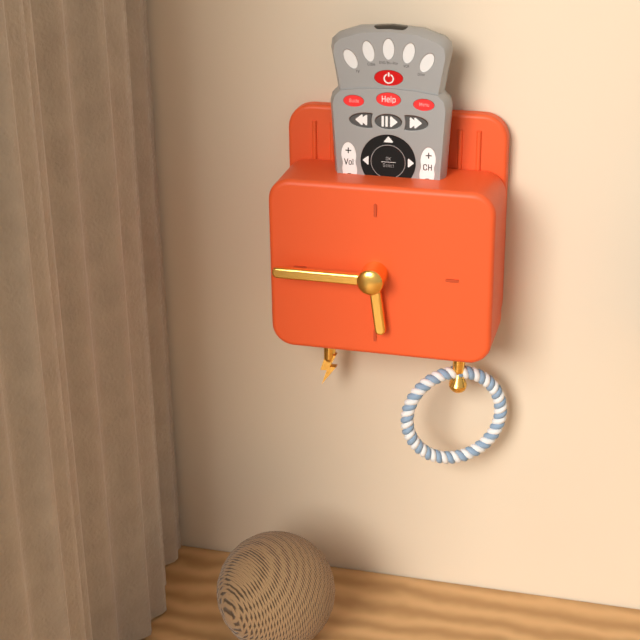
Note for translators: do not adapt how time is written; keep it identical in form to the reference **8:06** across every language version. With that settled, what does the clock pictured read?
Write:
**5:45**
